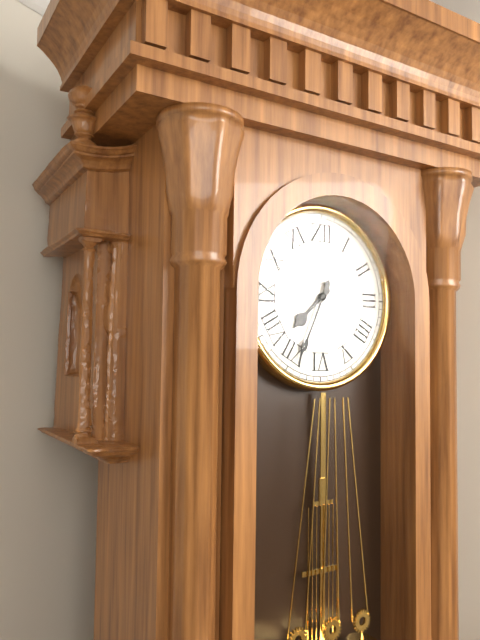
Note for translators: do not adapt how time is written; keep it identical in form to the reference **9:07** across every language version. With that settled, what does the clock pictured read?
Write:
**7:34**
